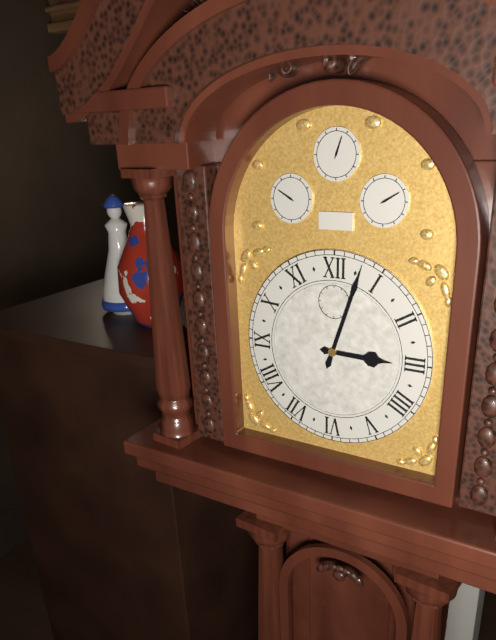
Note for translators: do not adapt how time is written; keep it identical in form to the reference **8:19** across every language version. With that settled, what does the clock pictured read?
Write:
**3:03**
